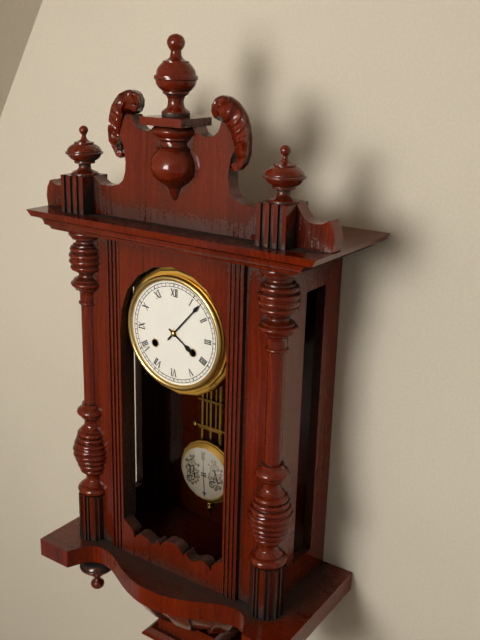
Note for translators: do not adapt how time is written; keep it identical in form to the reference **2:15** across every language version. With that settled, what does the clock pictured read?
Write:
**4:07**
